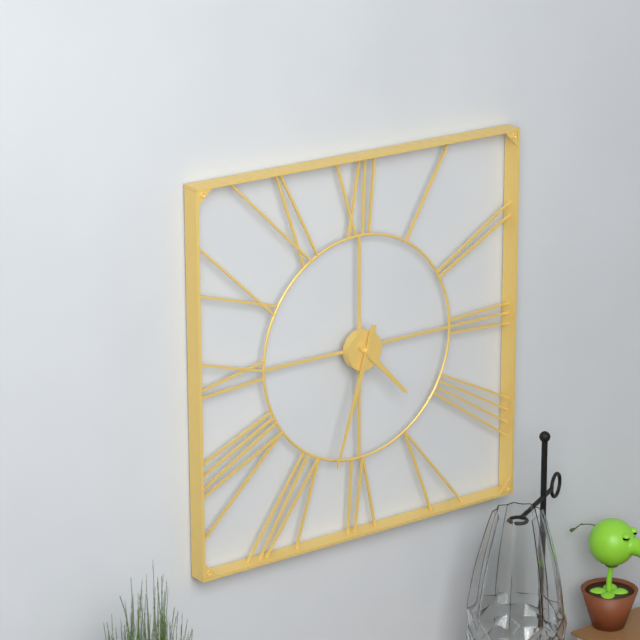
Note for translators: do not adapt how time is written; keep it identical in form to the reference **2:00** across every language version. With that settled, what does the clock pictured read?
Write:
**4:33**
